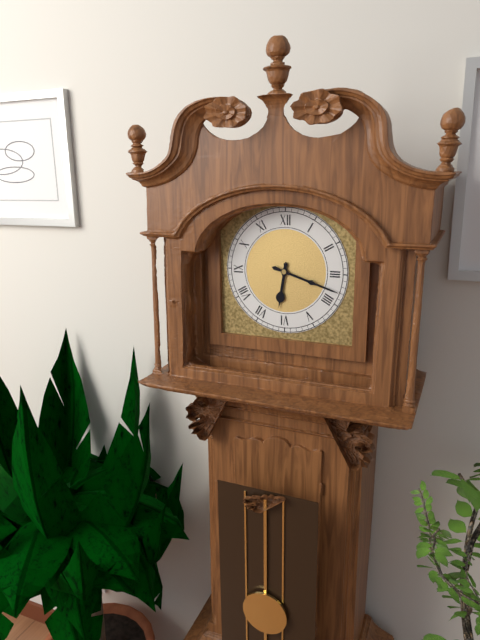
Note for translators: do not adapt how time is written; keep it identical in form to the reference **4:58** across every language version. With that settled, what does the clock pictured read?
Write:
**6:18**
